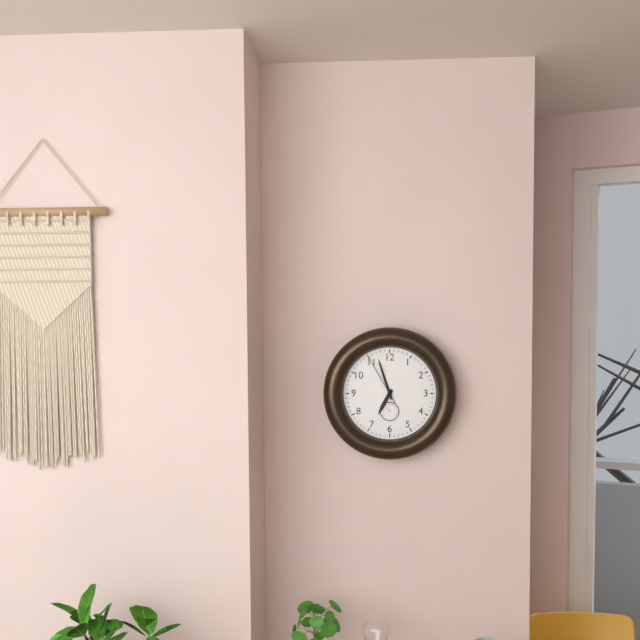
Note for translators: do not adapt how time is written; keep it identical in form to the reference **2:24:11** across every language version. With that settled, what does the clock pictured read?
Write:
**6:57:55**
